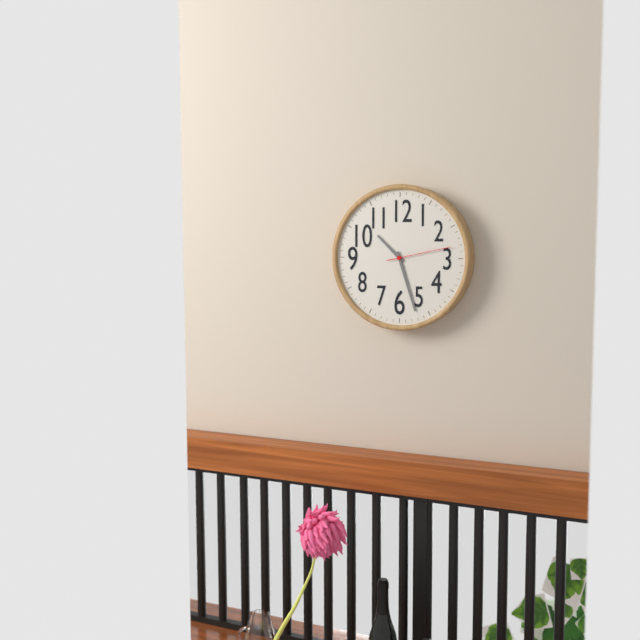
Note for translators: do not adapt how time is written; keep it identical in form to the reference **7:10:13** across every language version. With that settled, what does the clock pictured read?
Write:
**10:27:13**
